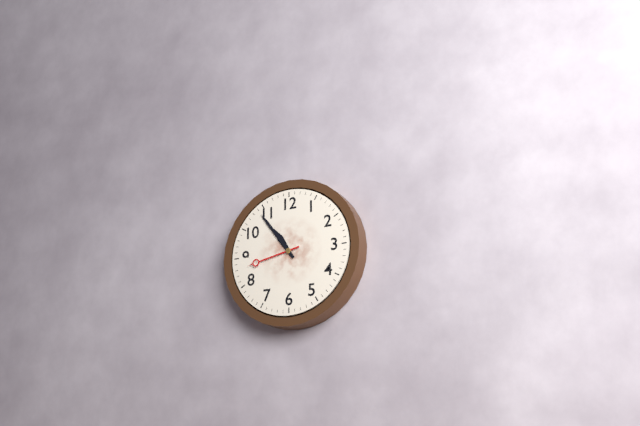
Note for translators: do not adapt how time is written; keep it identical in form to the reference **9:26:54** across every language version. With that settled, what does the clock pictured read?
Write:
**10:54:43**
